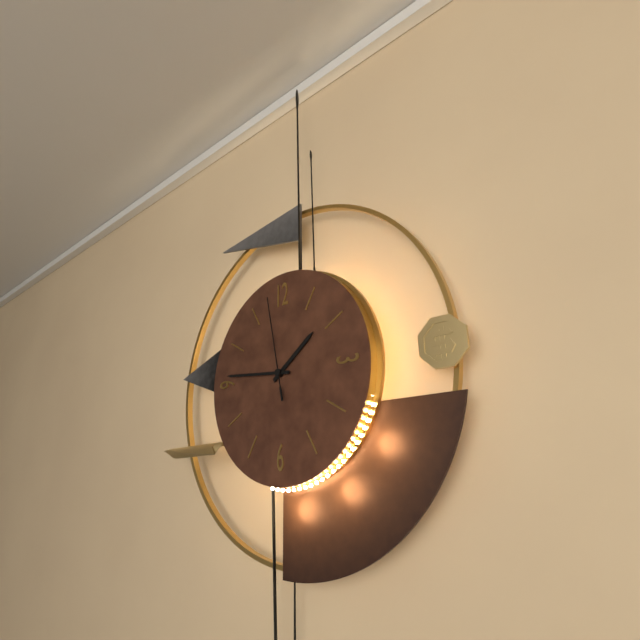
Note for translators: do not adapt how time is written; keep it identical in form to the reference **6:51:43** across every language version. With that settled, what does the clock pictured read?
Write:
**1:46:58**
